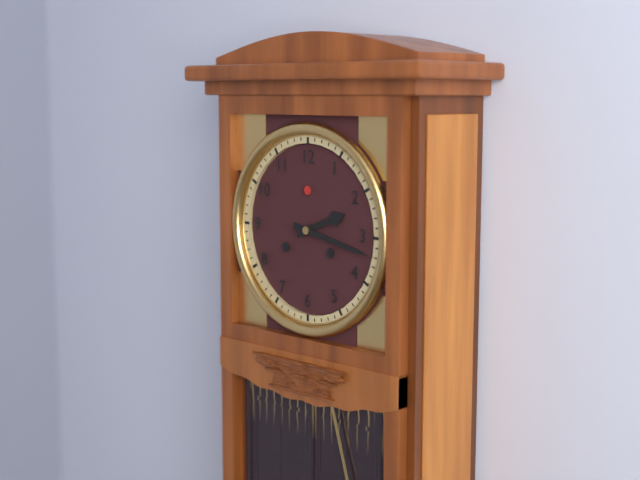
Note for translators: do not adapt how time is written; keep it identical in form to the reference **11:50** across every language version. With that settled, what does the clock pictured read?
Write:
**2:17**
